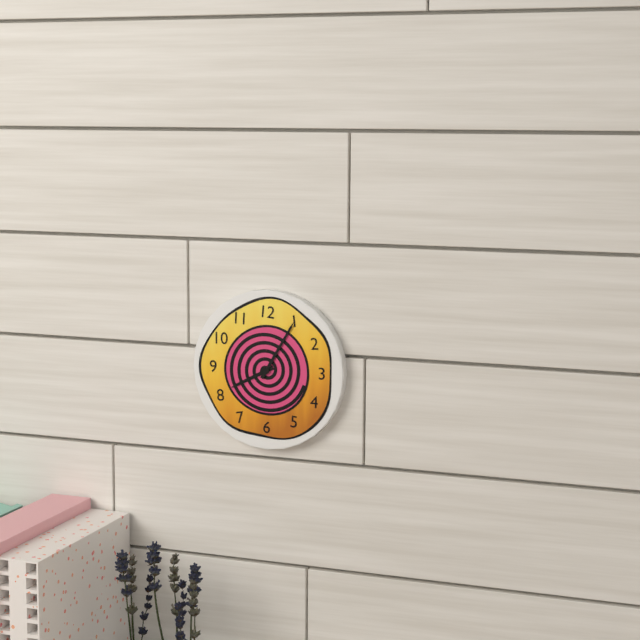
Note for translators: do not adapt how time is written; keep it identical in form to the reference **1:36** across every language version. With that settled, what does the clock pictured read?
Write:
**8:05**
